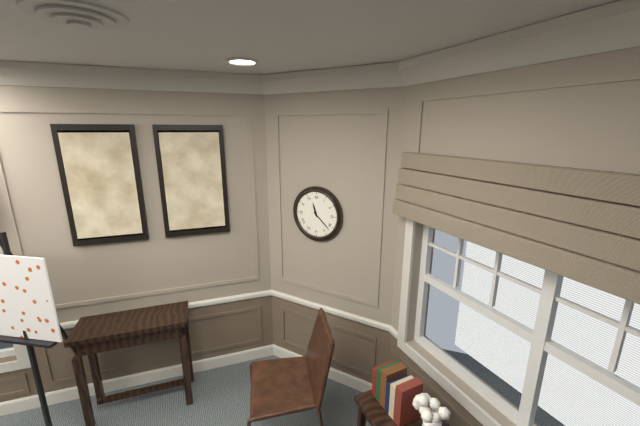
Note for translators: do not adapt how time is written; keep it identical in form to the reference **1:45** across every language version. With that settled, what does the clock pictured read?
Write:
**11:22**
